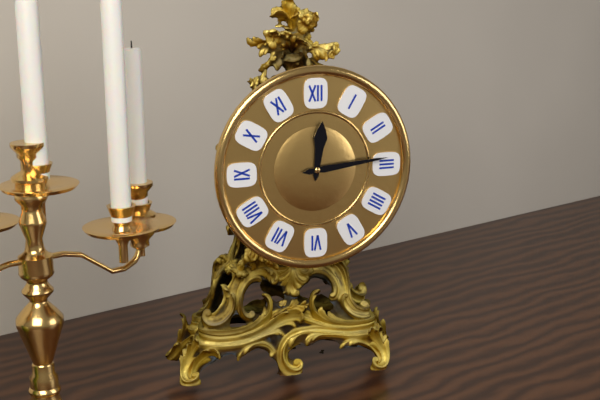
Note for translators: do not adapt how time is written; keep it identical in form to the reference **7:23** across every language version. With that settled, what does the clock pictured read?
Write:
**12:14**
